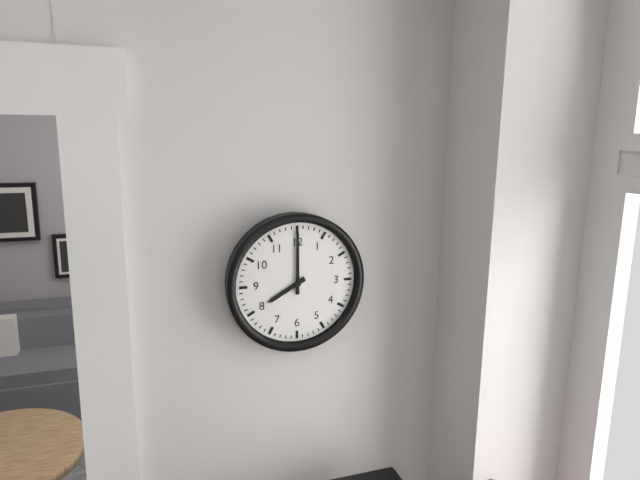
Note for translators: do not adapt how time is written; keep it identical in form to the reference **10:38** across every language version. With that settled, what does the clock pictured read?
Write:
**8:00**
